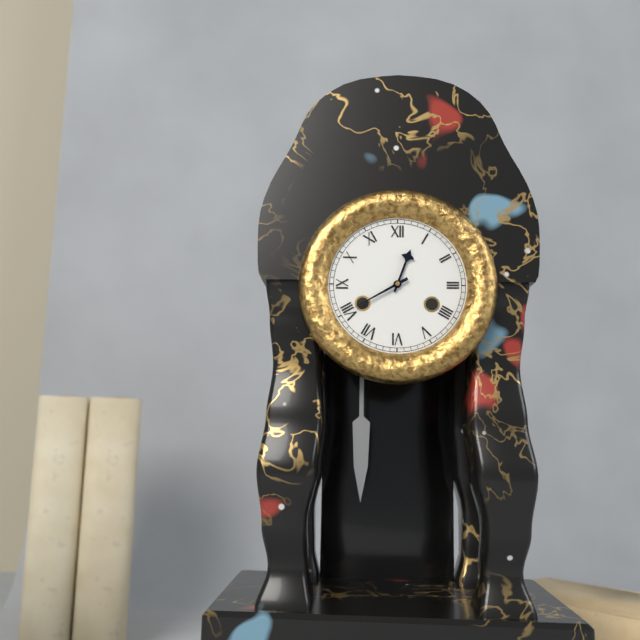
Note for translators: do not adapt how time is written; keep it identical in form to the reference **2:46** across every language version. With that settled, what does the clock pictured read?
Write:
**12:40**
